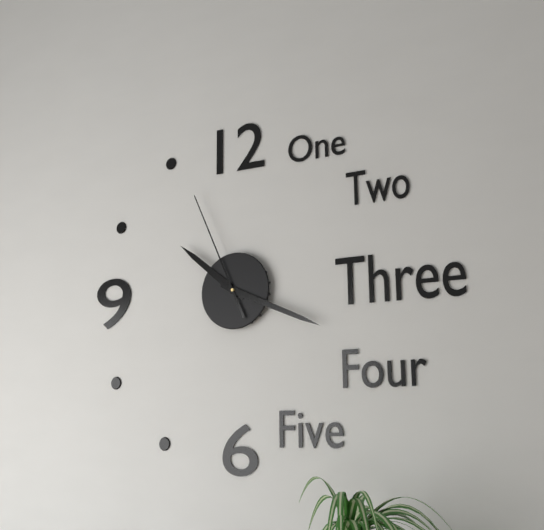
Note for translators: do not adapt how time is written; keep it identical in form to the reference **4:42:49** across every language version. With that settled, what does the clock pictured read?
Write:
**10:19:56**
